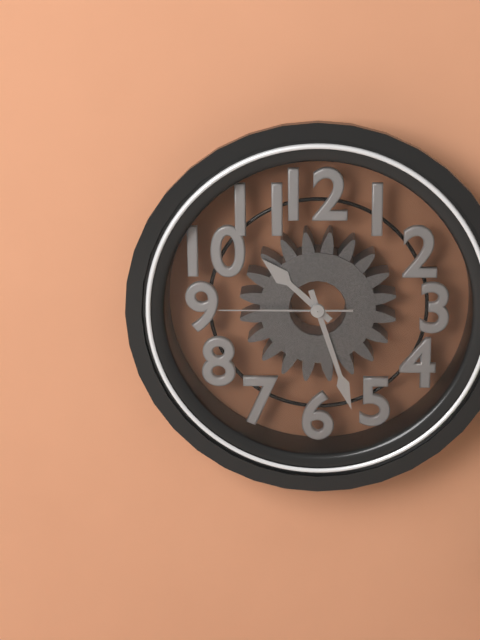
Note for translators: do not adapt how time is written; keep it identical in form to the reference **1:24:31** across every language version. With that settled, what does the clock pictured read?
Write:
**10:27:45**
